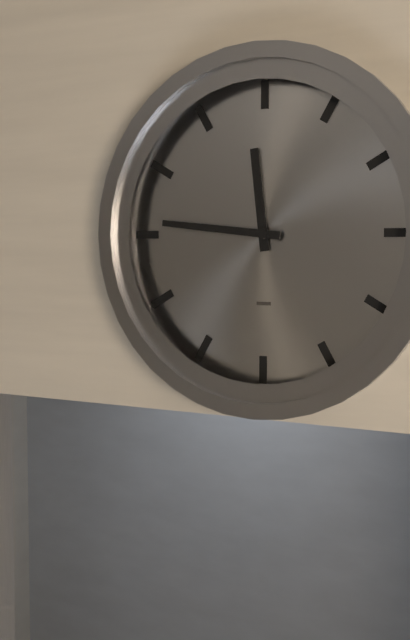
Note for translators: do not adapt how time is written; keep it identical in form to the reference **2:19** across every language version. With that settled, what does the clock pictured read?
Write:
**11:46**
